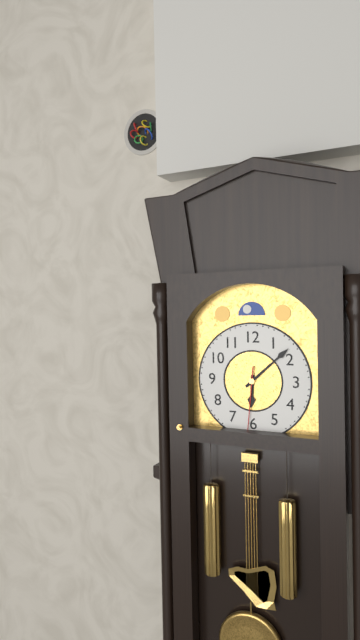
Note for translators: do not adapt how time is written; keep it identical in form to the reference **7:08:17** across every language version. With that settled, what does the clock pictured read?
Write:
**6:08:31**
